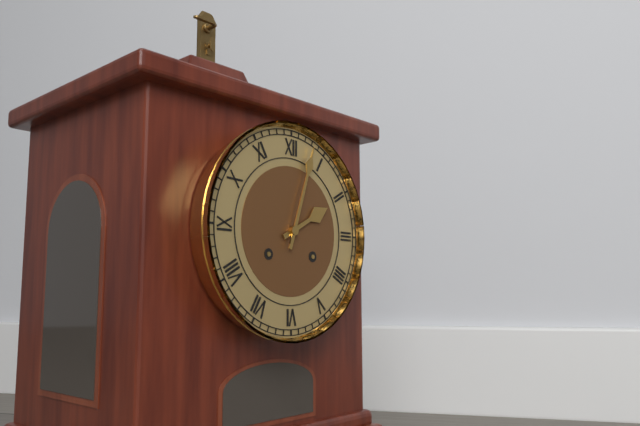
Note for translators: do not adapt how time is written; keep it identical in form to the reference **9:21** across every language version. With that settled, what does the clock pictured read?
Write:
**2:03**
